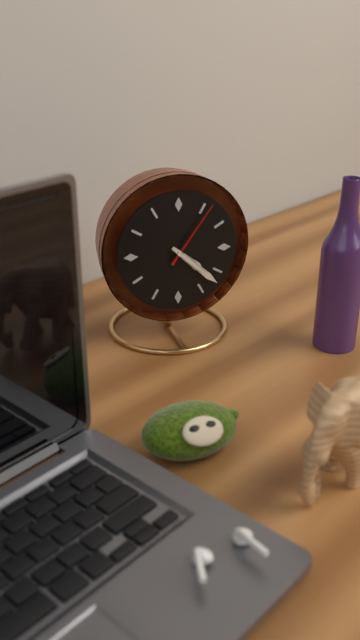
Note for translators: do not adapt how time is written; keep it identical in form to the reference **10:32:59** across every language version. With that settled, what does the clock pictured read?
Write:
**4:22:06**
